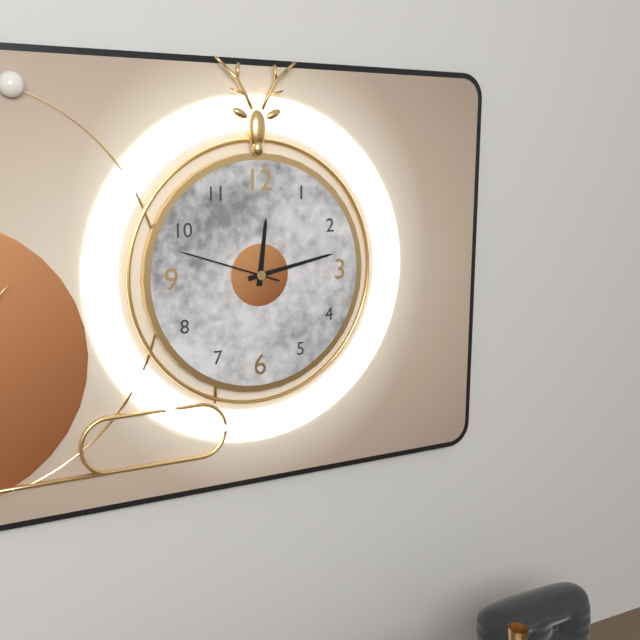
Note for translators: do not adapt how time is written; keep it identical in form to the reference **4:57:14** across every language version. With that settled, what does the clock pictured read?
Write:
**12:13:48**
